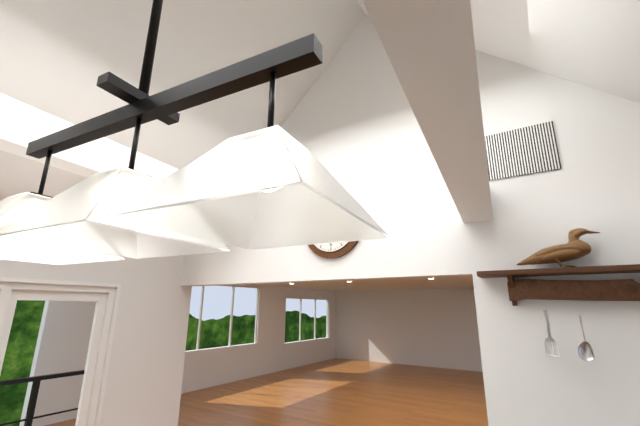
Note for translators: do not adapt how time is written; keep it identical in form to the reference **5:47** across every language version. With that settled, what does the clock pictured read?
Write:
**4:43**
